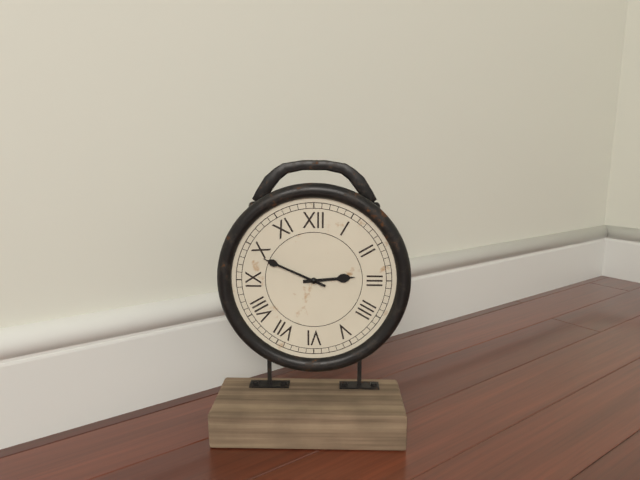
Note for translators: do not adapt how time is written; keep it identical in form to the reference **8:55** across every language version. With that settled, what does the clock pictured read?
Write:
**2:49**
